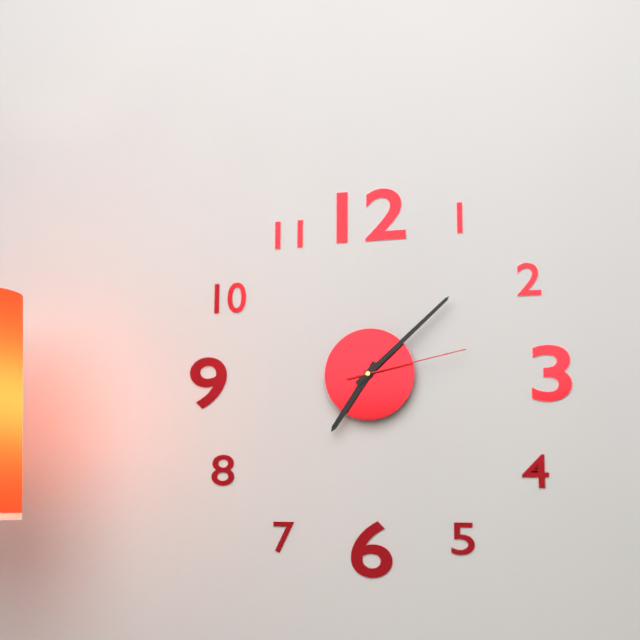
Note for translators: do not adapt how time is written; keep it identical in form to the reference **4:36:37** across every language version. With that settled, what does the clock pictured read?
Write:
**7:08:13**
